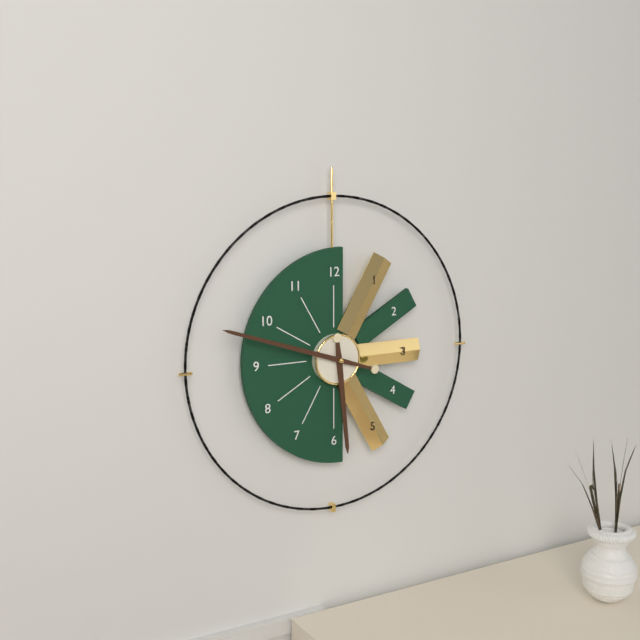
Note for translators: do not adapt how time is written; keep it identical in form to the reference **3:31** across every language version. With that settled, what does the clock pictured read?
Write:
**5:48**
